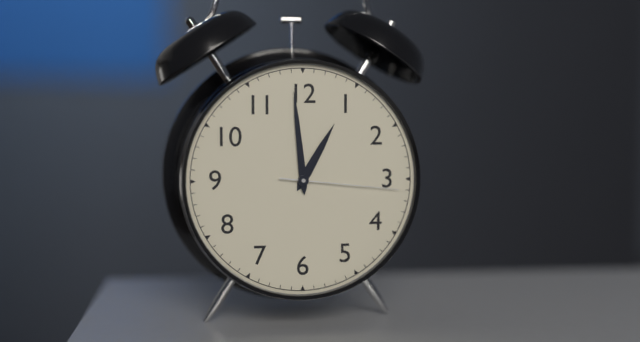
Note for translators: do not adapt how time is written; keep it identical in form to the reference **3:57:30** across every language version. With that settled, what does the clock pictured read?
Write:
**12:59:16**
